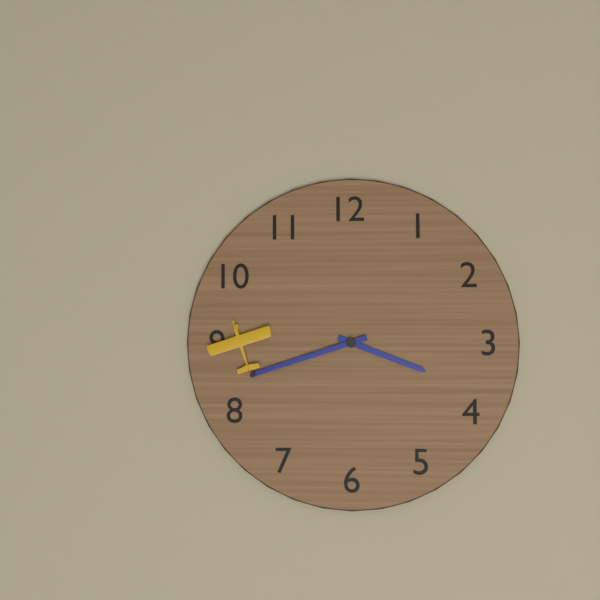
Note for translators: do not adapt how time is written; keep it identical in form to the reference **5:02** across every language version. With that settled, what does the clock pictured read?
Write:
**3:42**
